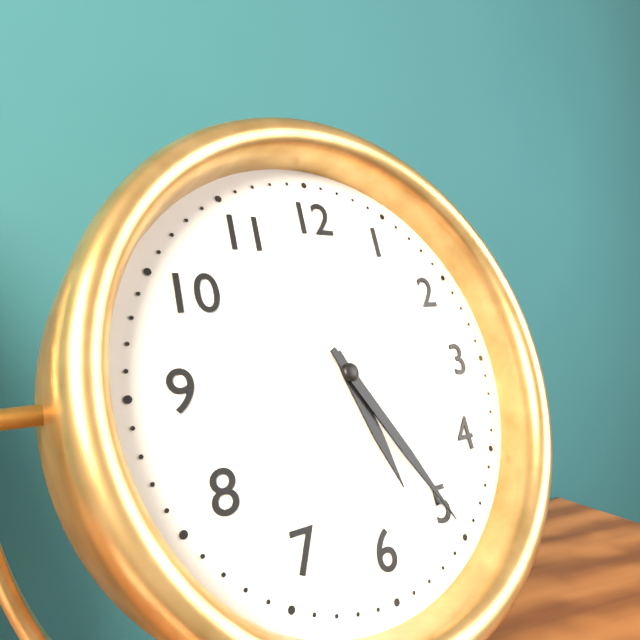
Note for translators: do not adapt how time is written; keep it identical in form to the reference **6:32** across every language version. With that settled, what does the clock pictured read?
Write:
**5:25**
